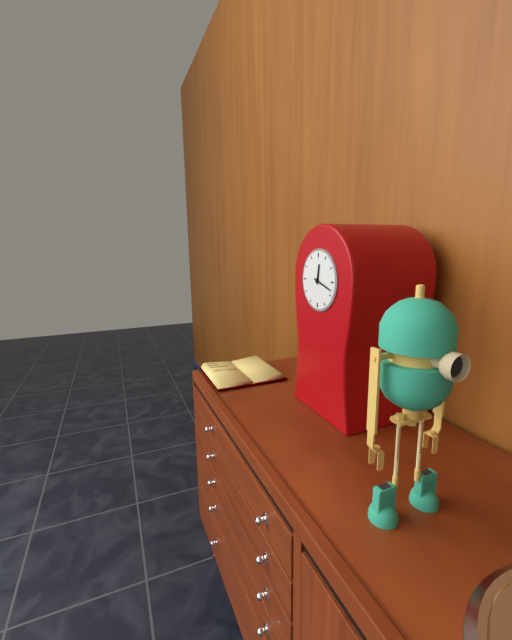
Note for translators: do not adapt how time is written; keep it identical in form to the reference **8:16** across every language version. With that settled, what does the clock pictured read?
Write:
**12:18**
